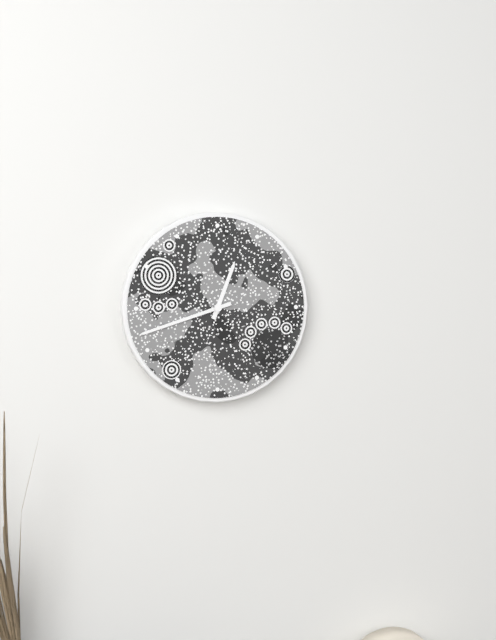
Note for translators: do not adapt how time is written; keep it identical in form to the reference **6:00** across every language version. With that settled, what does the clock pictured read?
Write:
**12:42**
